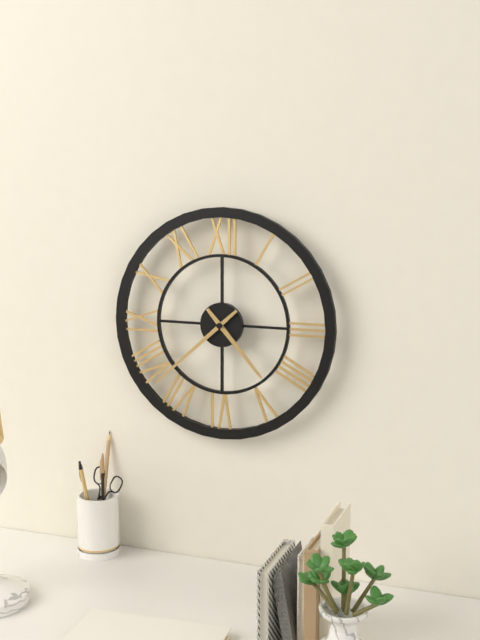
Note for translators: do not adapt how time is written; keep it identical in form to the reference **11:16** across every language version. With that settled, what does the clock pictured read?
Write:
**4:38**
